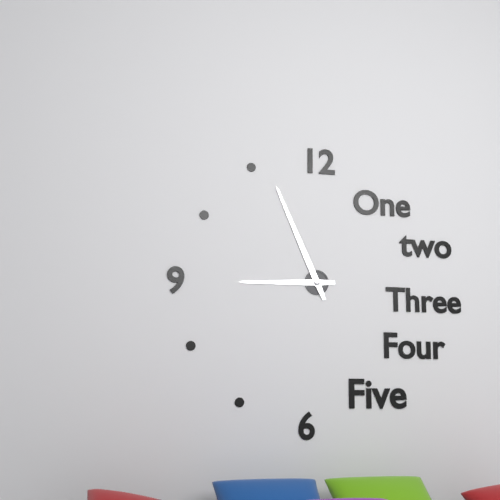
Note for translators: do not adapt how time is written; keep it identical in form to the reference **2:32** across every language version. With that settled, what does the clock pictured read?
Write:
**8:56**
